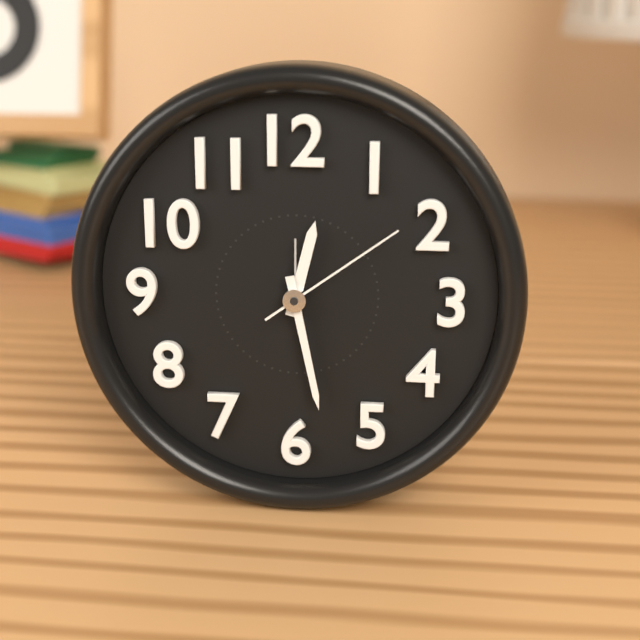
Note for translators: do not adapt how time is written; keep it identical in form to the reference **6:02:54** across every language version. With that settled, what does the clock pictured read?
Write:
**12:28:09**
